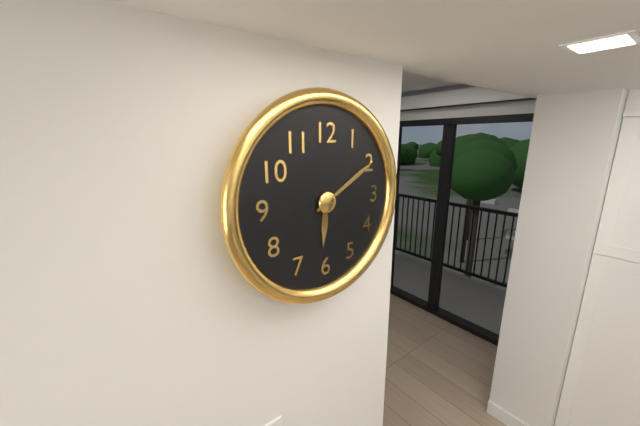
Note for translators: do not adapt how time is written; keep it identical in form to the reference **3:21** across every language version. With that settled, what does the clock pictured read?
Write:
**6:10**
